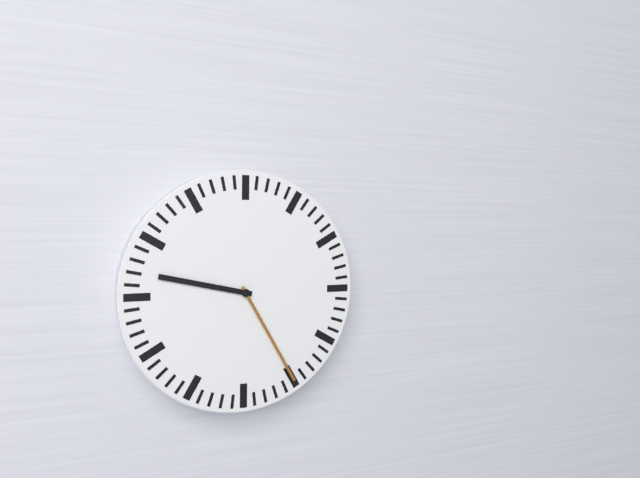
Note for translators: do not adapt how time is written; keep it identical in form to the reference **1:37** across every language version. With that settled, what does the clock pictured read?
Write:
**9:25**
